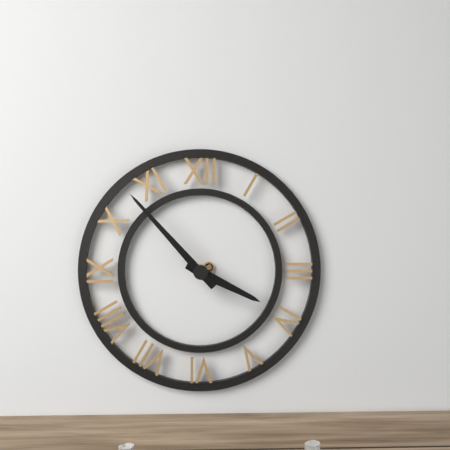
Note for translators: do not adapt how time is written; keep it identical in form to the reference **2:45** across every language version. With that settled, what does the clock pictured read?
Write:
**3:53**
